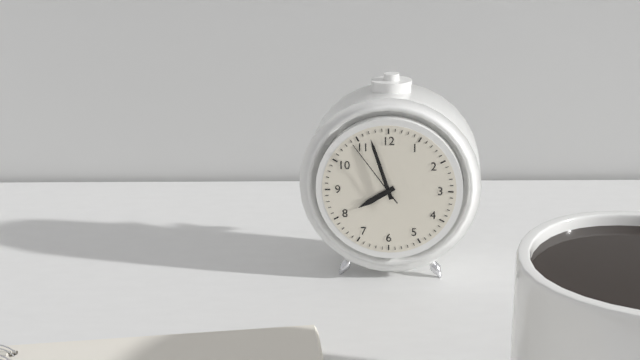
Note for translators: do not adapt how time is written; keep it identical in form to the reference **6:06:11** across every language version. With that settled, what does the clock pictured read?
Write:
**7:57:54**
